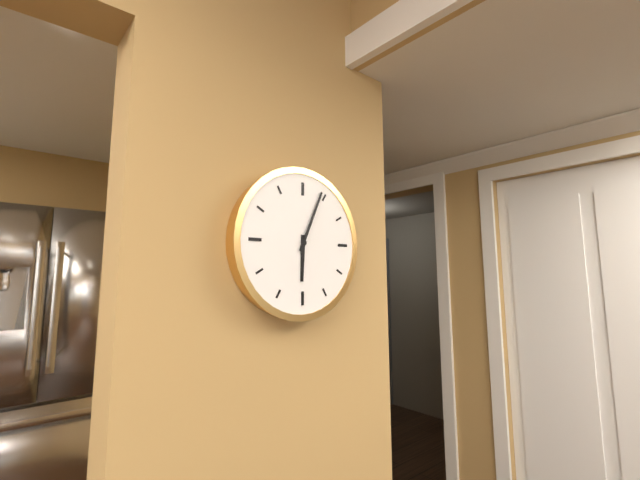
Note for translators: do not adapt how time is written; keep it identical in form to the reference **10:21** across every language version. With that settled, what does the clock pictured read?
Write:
**6:04**
